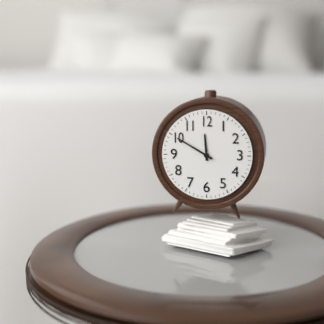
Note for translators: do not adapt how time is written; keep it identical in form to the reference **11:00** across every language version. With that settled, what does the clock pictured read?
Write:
**11:50**
